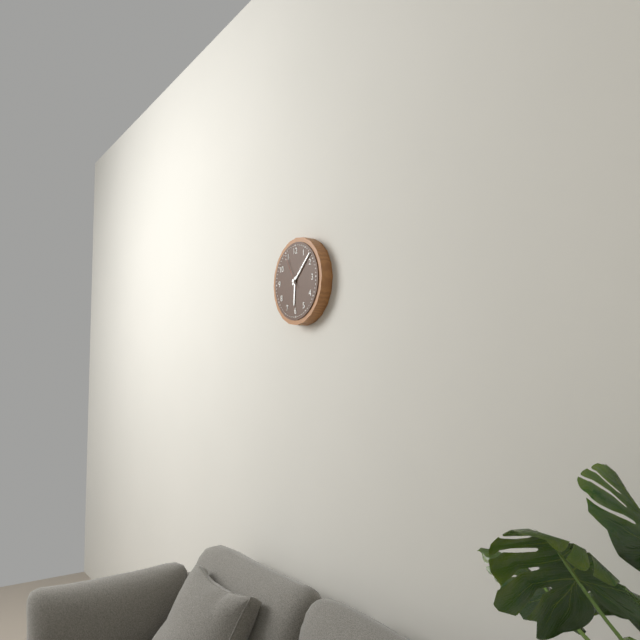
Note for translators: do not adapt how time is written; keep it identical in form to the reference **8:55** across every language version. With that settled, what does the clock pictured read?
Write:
**6:08**
